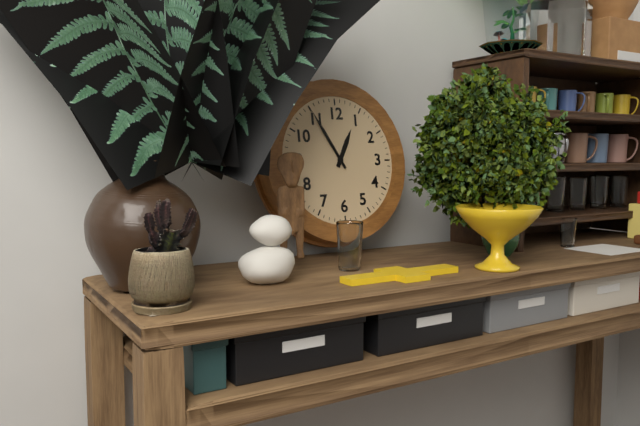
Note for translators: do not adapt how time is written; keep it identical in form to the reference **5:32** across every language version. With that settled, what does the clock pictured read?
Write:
**12:55**
